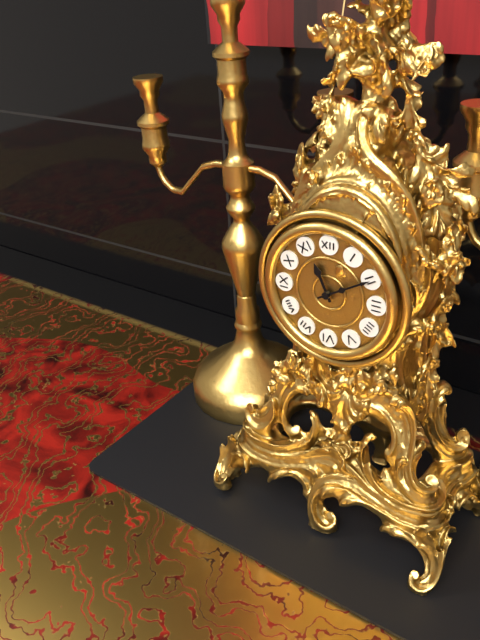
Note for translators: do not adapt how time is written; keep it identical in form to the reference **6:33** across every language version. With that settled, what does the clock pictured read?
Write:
**11:10**
